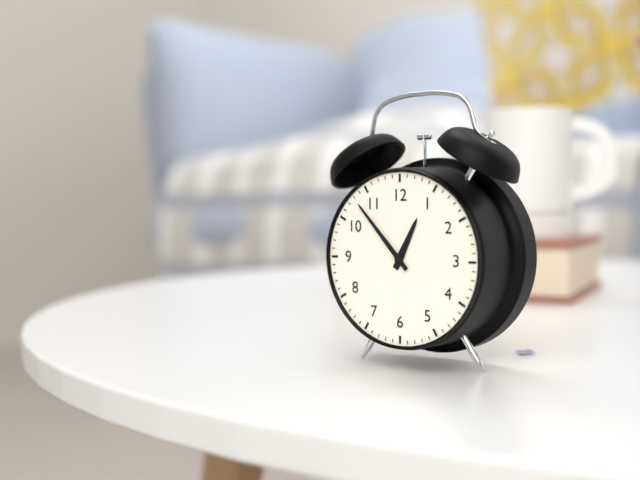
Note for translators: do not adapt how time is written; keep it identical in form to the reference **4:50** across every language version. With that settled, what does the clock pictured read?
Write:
**12:53**
